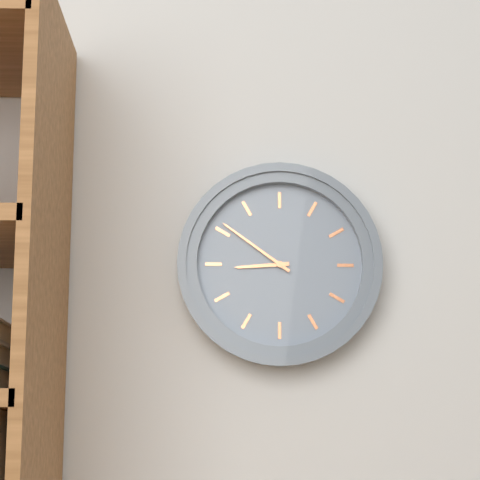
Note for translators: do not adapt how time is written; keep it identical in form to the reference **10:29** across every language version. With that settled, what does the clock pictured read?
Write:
**8:51**
